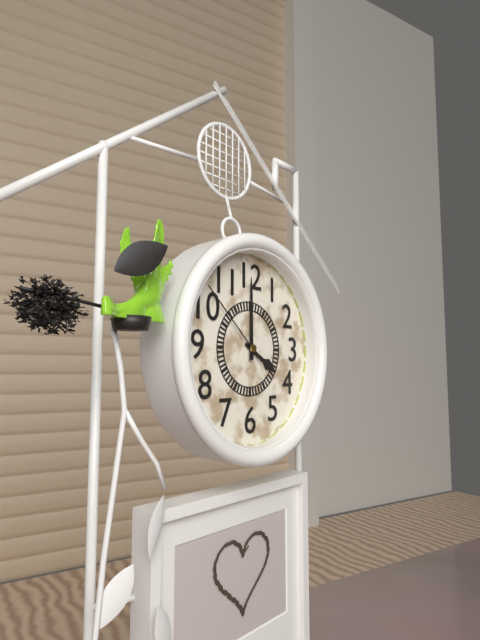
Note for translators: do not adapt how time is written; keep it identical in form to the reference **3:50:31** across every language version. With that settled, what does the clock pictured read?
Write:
**4:00:52**
